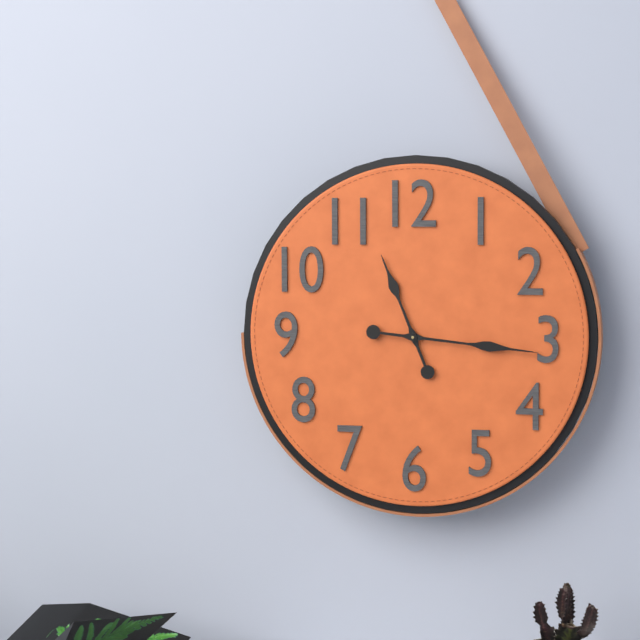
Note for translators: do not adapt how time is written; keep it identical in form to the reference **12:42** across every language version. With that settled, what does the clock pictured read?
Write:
**11:16**
